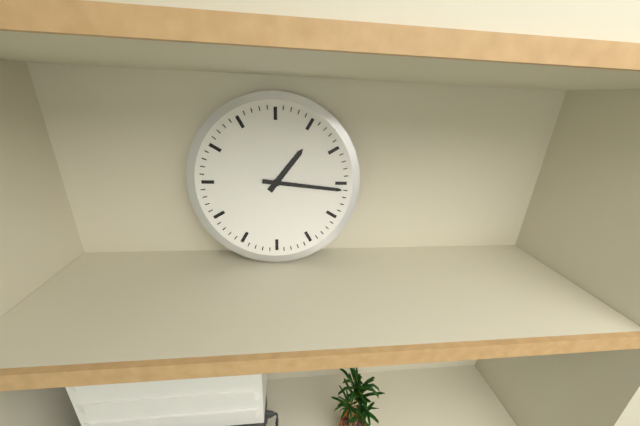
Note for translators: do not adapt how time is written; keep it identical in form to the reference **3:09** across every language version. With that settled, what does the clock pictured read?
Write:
**1:16**
